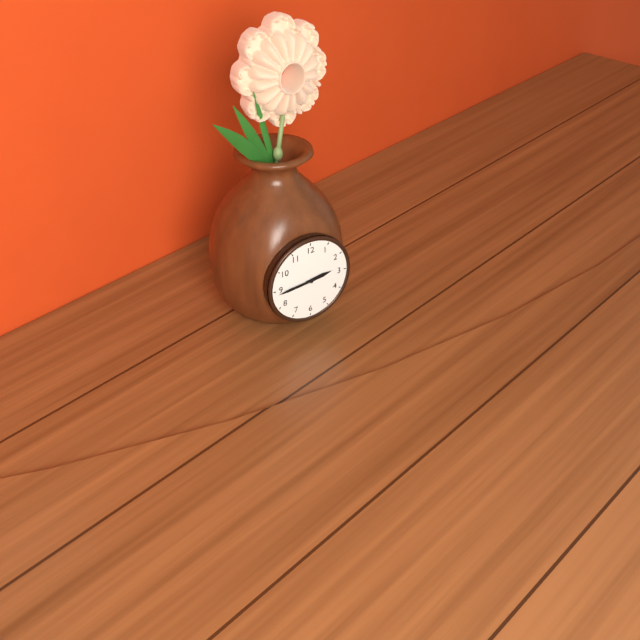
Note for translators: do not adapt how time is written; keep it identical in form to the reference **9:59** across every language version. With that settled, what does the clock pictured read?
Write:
**2:44**
